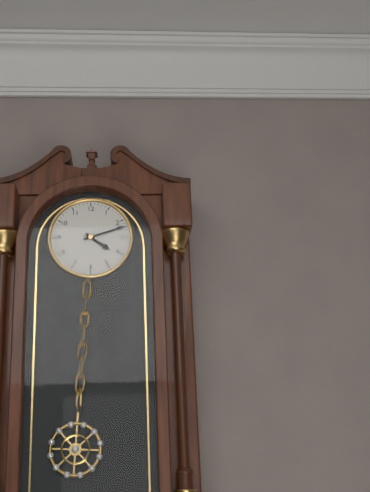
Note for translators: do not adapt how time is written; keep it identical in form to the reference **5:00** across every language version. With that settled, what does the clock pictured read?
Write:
**4:12**
